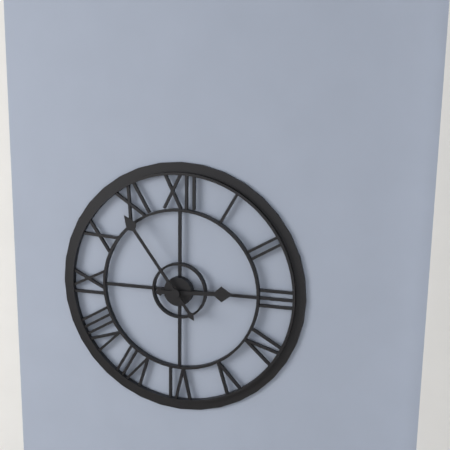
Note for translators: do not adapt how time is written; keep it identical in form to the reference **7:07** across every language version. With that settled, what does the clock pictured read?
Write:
**2:54**
